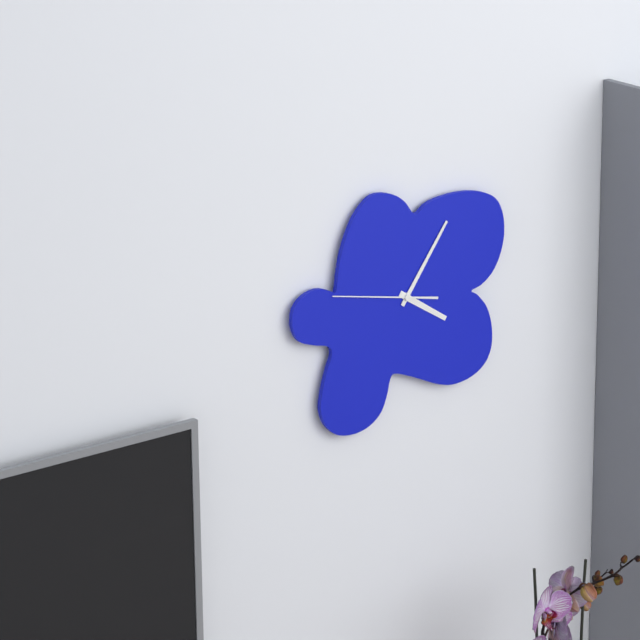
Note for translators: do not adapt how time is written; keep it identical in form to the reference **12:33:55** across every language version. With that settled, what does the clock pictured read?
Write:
**4:06:47**
